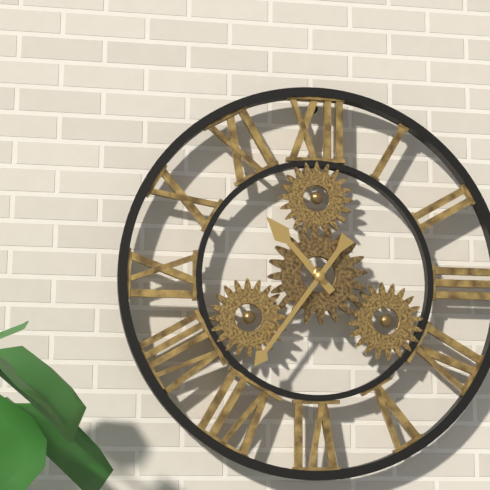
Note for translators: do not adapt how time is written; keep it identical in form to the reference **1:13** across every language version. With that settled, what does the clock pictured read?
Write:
**10:36**
